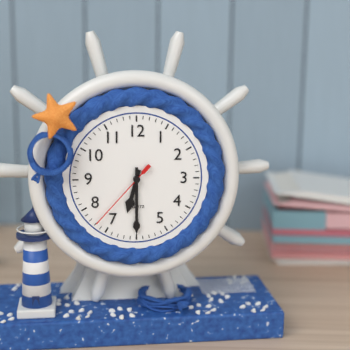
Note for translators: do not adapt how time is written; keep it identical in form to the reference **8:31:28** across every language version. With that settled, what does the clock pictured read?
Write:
**6:30:37**
